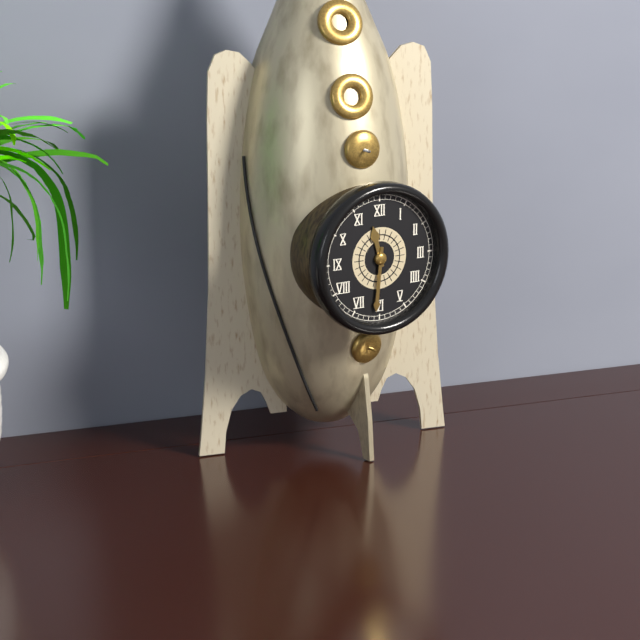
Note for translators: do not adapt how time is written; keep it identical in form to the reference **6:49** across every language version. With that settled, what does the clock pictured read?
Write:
**11:31**
